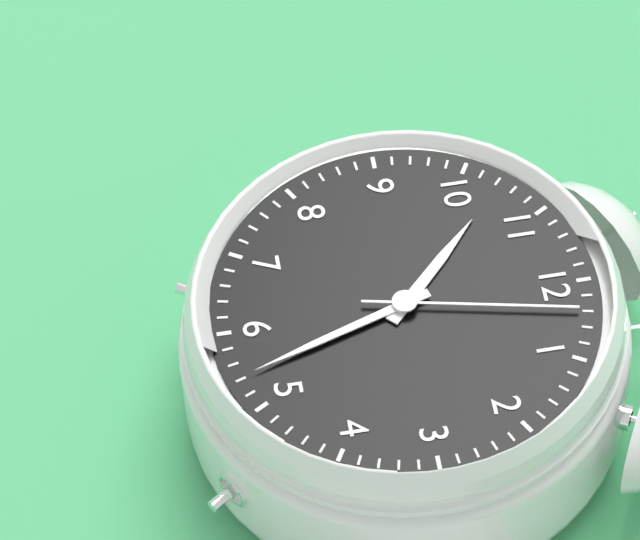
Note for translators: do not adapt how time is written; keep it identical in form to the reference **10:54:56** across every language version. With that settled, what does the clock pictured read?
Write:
**10:27:02**
